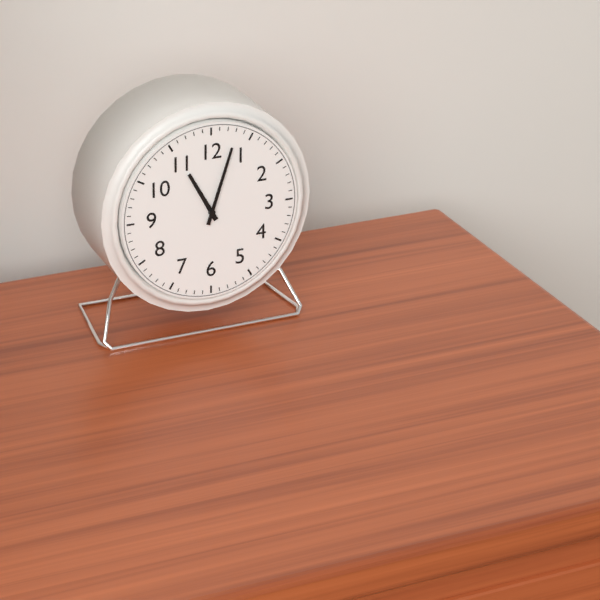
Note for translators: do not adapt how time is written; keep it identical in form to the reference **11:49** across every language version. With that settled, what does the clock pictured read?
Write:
**11:03**
